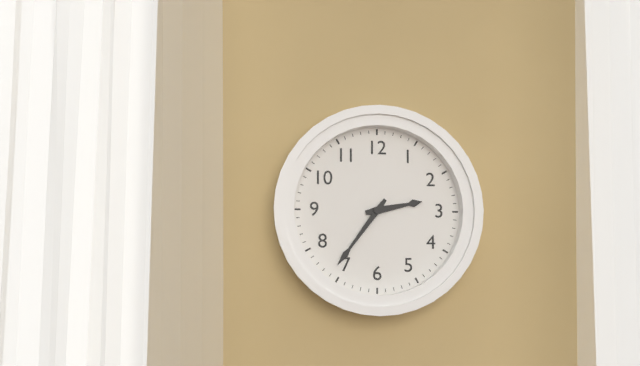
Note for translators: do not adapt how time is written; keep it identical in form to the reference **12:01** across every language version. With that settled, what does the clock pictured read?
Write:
**2:36**
